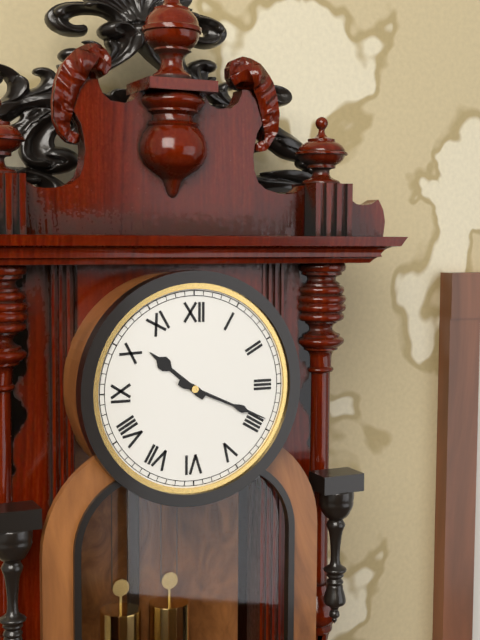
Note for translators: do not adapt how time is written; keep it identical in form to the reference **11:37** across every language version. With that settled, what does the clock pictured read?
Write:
**10:19**
